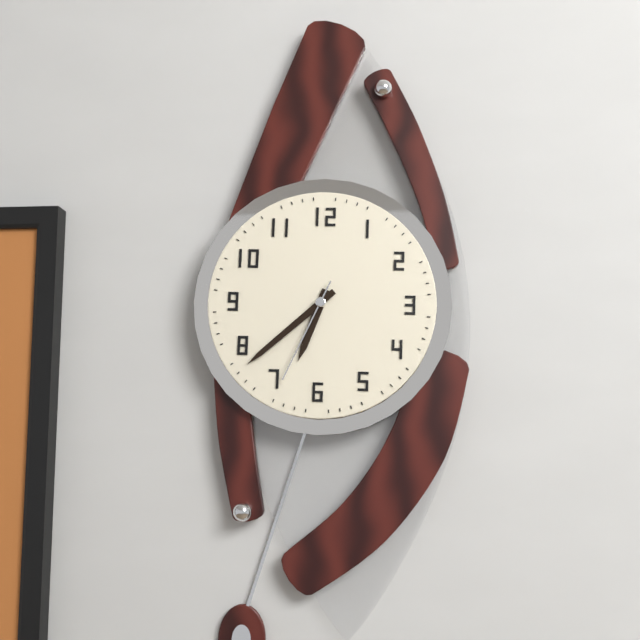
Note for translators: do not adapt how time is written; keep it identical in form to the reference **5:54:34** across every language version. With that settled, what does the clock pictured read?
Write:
**6:38:34**
